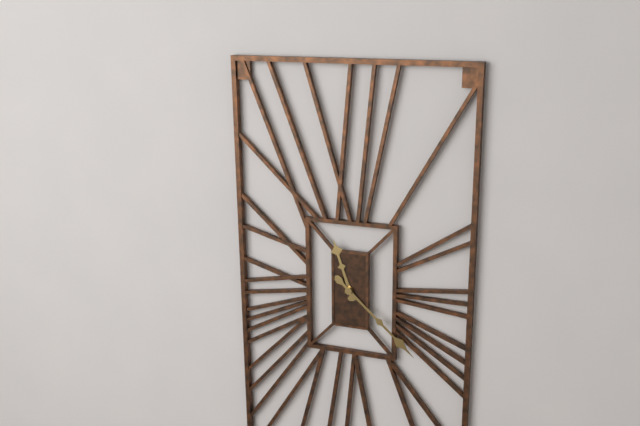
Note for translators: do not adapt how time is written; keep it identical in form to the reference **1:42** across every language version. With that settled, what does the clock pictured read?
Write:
**11:22**
